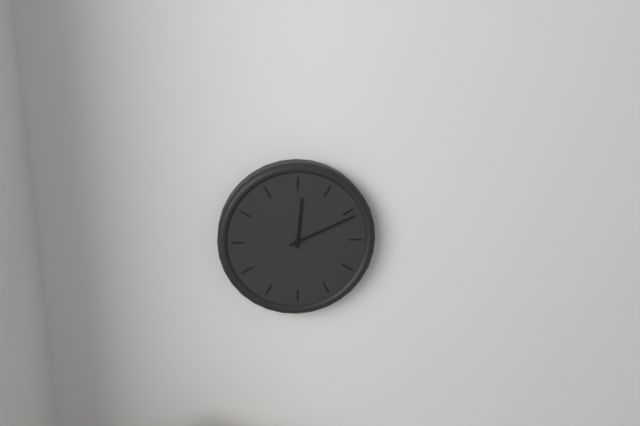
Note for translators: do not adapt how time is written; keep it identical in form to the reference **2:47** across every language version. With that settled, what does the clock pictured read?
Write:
**12:11**
